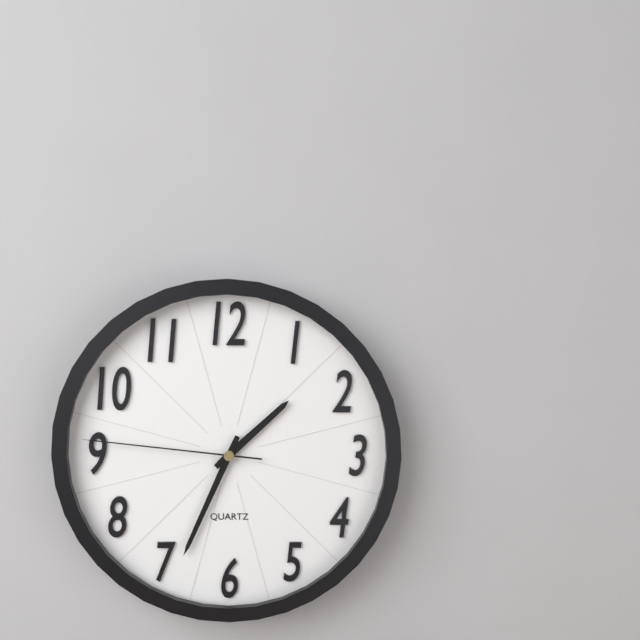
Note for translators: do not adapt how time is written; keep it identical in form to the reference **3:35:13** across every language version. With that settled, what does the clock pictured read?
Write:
**1:34:46**
